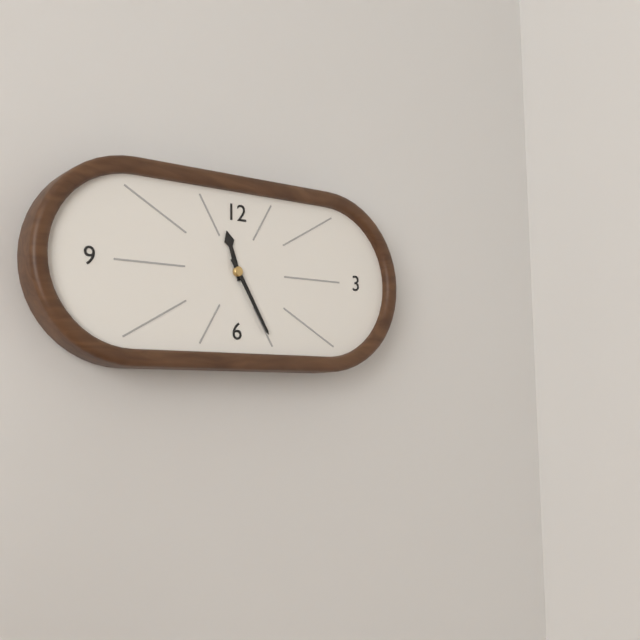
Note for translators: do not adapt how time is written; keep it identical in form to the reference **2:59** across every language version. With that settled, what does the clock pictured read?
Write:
**11:25**
